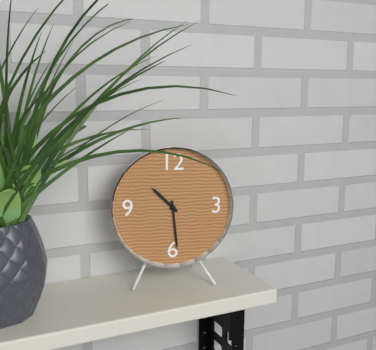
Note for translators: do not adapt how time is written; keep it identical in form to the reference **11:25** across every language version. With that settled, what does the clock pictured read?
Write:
**10:29**
